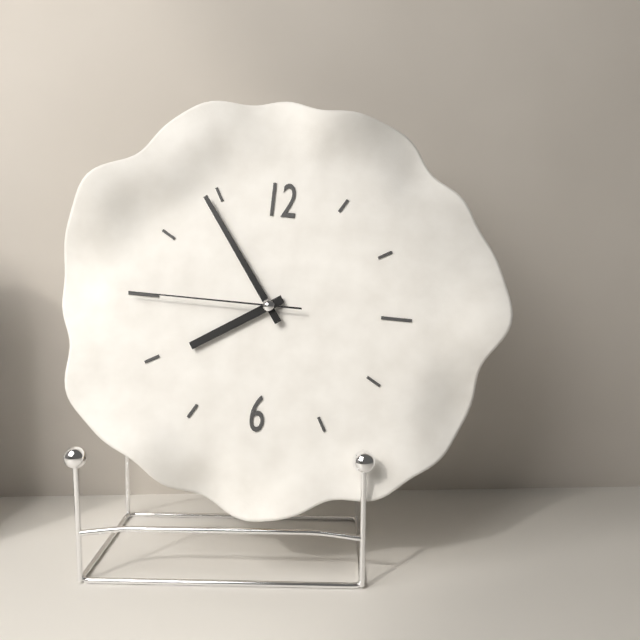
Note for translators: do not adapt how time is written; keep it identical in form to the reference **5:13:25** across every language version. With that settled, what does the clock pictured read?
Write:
**7:54:45**
